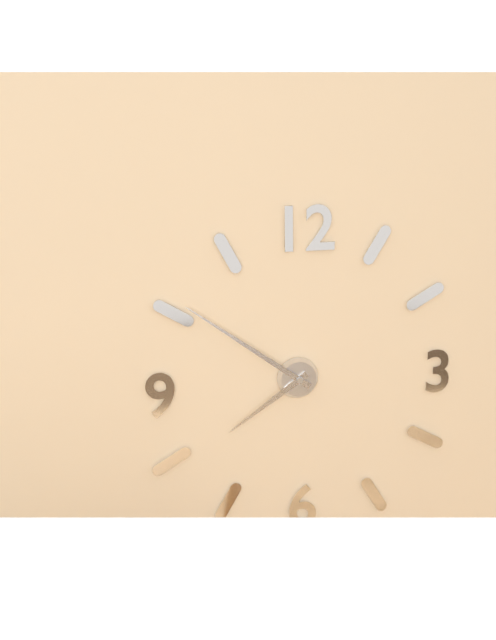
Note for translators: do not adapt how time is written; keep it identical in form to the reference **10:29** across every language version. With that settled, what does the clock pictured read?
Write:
**7:51**
